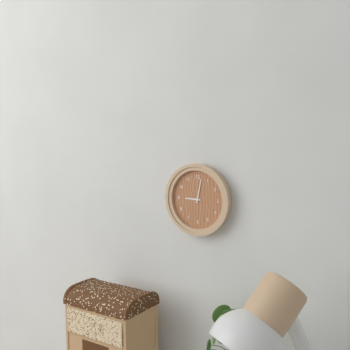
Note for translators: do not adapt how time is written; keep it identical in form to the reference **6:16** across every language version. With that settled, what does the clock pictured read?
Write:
**9:02**
